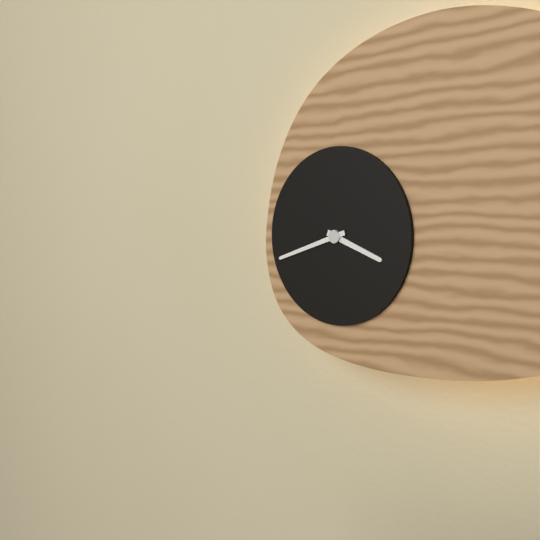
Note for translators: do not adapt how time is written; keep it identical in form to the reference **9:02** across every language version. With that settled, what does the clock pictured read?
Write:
**3:42**
